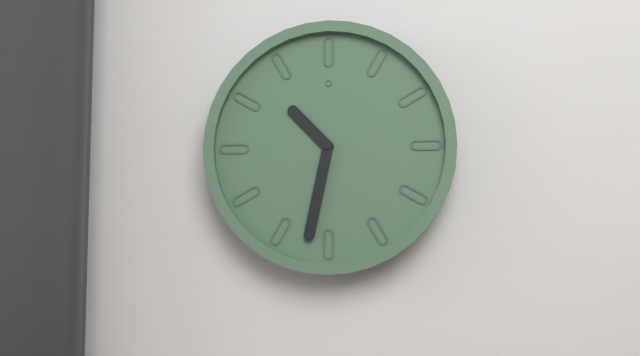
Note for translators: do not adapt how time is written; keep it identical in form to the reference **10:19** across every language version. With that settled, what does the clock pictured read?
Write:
**10:32**
